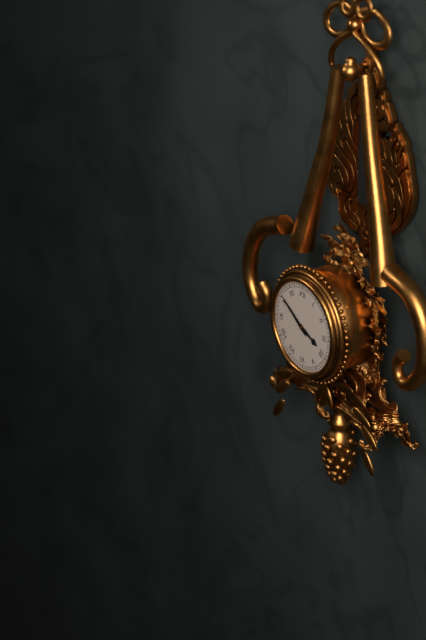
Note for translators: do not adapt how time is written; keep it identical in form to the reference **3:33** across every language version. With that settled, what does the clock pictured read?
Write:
**3:51**
